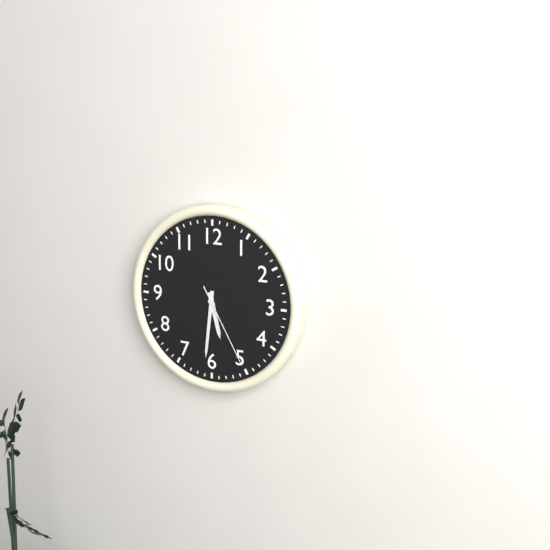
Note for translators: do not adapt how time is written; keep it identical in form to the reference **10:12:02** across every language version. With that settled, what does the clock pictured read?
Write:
**5:31:25**
